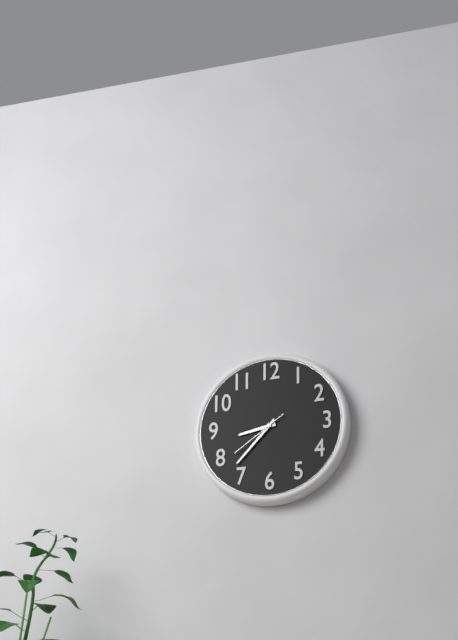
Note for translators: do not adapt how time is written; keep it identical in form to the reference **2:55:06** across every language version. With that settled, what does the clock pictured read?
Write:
**8:37:39**
